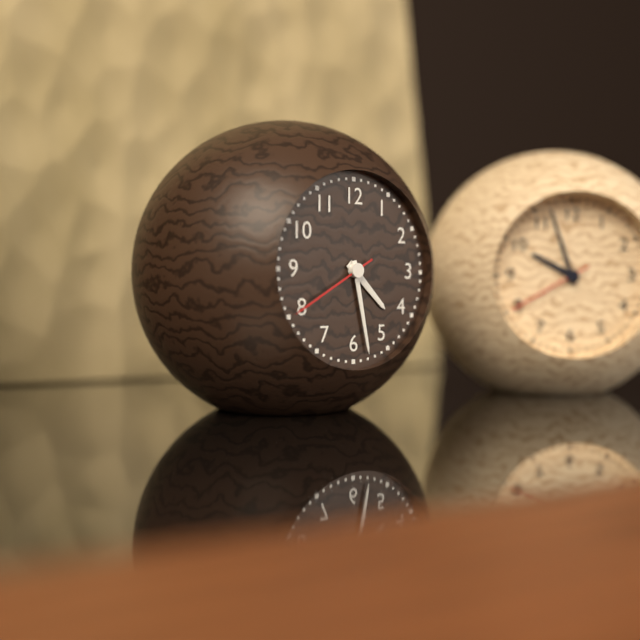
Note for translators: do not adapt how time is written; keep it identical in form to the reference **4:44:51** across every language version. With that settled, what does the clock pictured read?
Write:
**4:28:40**
